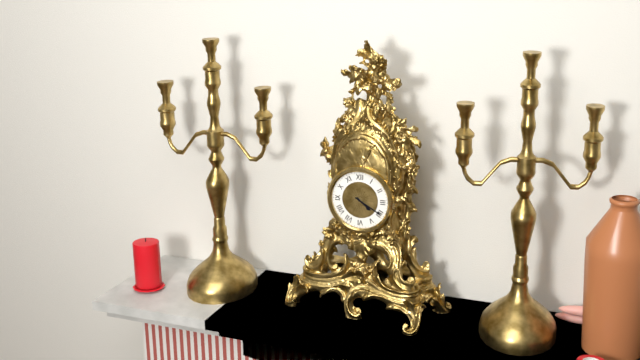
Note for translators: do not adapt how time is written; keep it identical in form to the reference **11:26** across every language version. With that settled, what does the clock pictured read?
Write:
**4:20**
